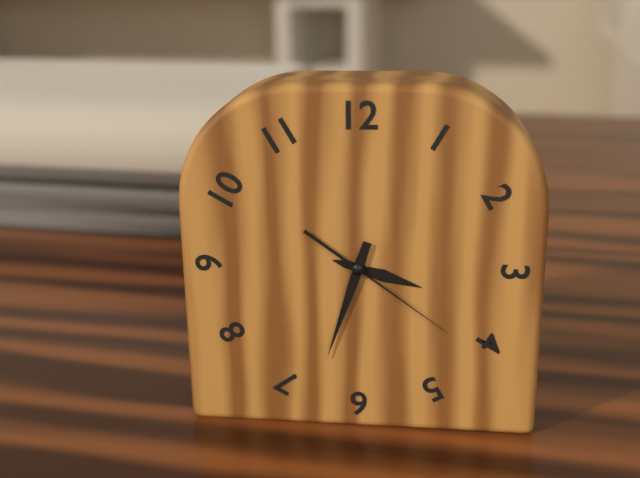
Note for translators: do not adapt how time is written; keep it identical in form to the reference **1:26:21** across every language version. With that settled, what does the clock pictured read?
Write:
**3:33:21**
